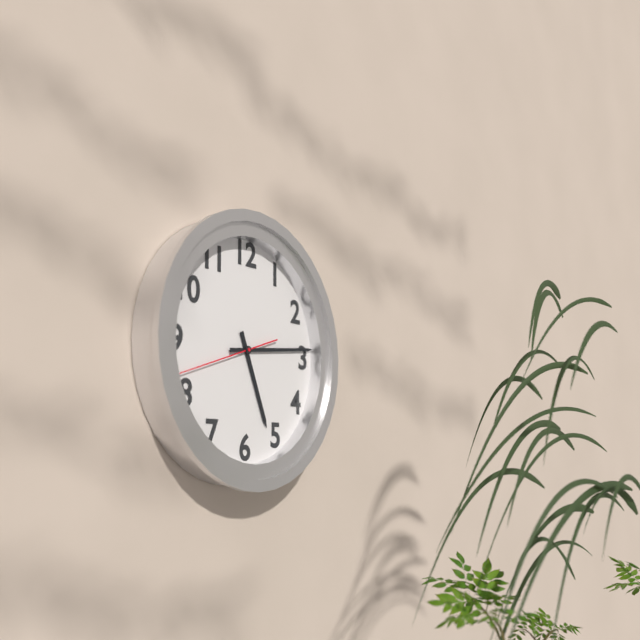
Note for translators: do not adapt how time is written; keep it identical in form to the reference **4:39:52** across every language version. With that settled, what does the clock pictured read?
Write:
**5:14:42**
